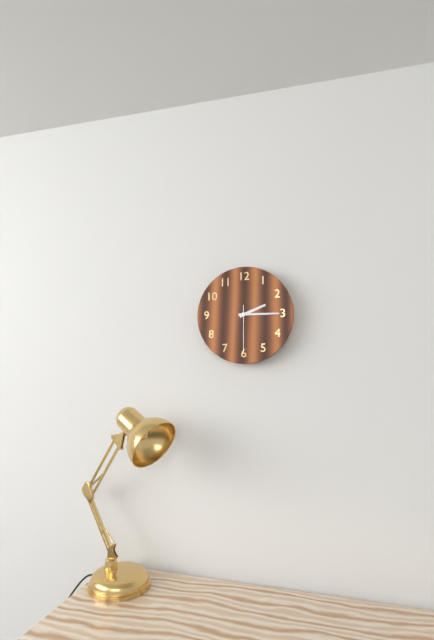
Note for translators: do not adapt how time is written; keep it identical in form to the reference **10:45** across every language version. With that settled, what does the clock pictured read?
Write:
**2:15**
